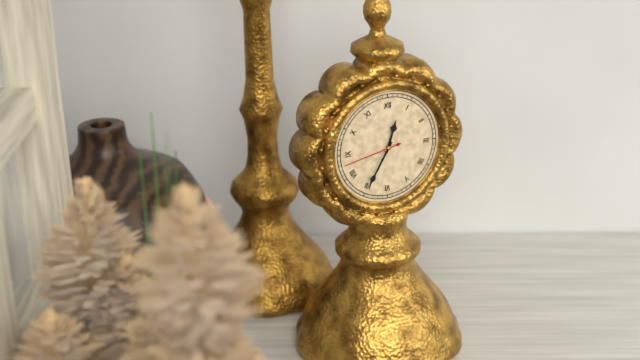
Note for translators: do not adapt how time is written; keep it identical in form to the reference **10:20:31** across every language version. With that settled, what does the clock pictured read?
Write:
**12:35:43**
